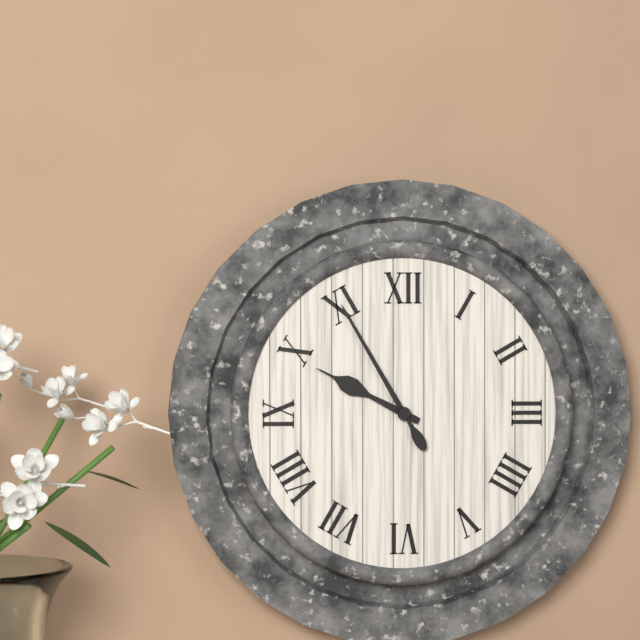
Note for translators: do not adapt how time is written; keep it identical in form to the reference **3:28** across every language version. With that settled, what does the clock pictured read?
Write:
**9:55**
